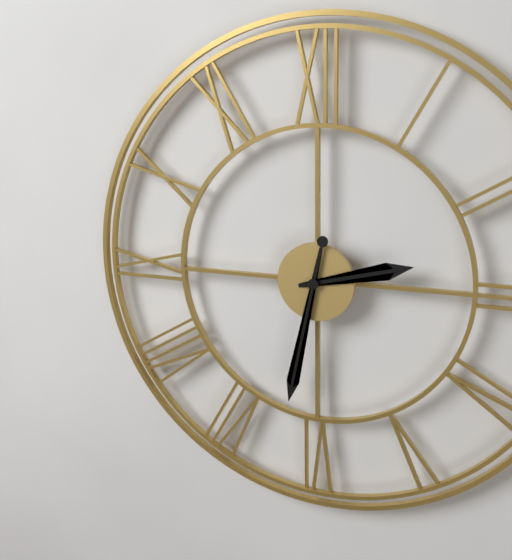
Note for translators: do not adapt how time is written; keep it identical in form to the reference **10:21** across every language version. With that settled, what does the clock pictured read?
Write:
**2:32**
